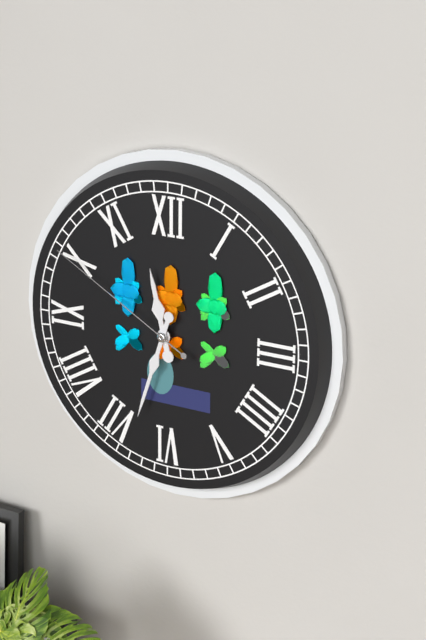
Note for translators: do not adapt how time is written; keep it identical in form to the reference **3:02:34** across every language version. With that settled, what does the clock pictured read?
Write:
**11:33:50**
